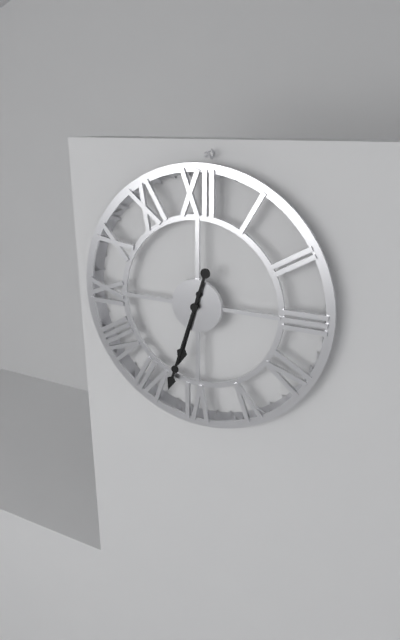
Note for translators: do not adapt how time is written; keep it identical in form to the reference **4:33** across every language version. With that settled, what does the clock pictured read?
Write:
**6:33**
